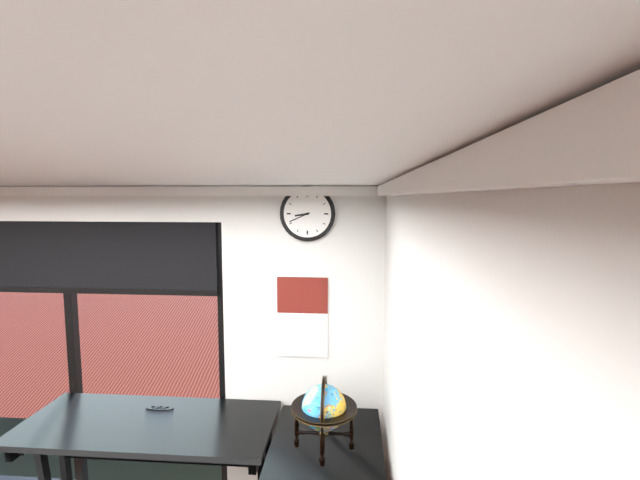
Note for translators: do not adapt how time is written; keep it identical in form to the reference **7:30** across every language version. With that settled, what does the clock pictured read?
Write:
**8:41**
